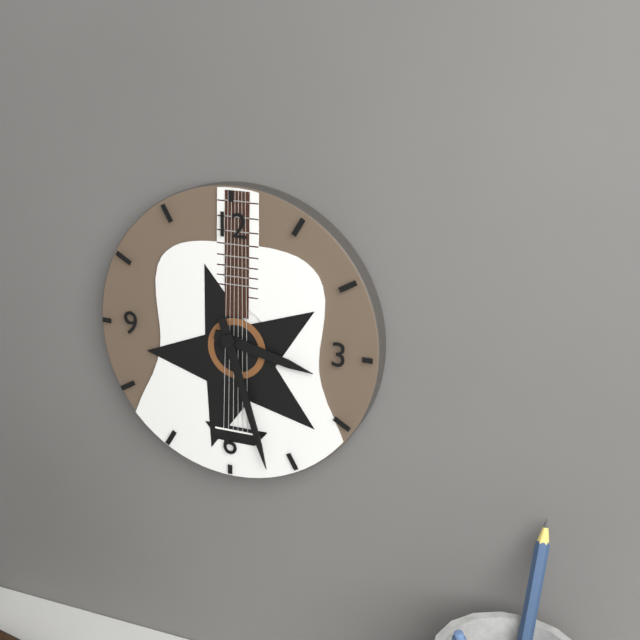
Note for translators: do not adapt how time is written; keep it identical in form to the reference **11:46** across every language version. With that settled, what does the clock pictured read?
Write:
**3:27**
